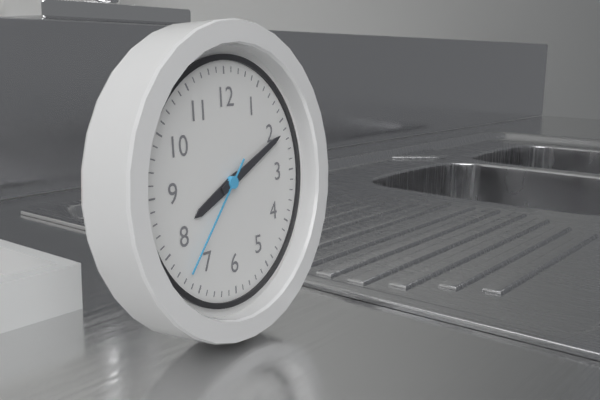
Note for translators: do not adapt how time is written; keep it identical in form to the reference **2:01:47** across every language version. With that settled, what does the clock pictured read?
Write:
**8:11:37**
